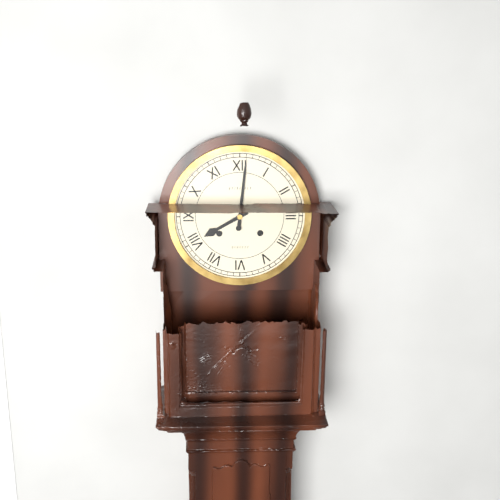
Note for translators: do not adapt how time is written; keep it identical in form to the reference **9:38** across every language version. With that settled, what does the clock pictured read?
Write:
**8:01**
